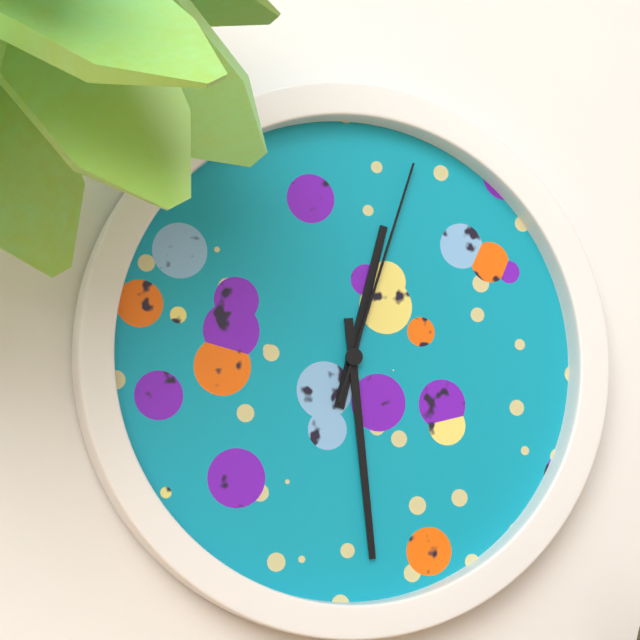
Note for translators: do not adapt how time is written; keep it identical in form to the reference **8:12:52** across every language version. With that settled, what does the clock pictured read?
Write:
**12:29:03**
